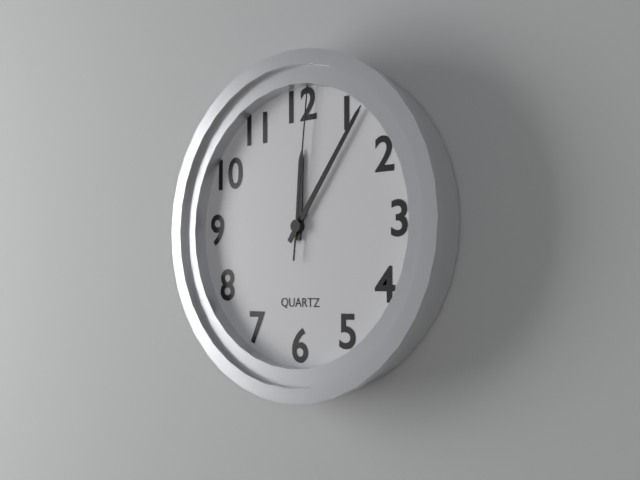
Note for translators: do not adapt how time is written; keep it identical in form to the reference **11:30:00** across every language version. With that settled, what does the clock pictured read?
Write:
**12:06:01**
